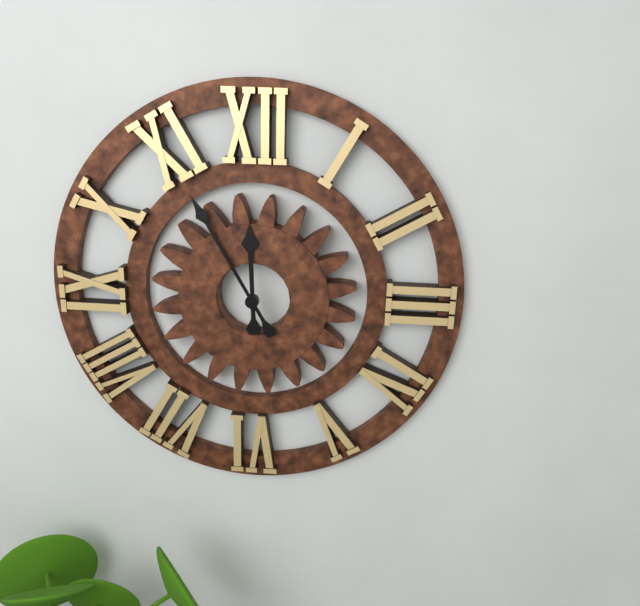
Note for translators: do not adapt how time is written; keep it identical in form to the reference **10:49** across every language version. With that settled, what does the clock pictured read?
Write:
**11:55**
